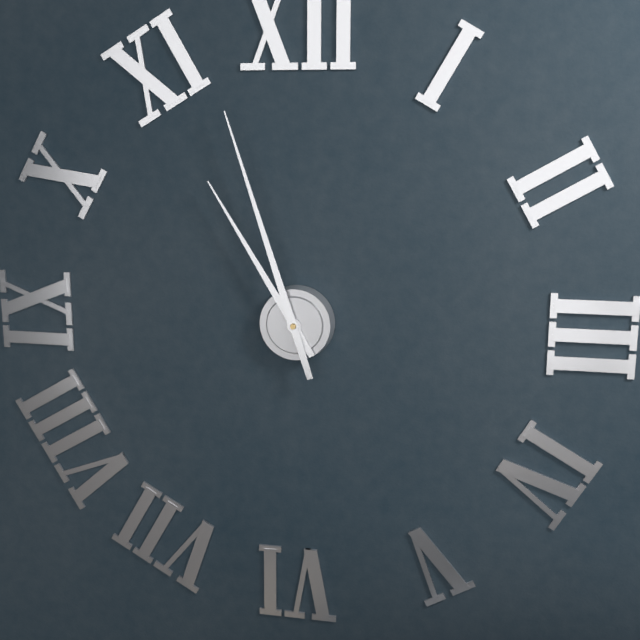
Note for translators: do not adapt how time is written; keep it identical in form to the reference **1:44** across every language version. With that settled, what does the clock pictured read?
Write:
**10:57**
